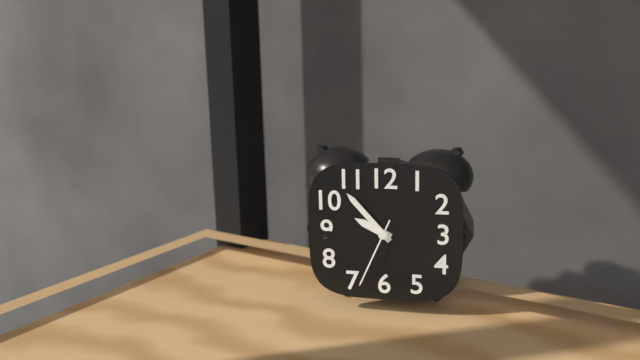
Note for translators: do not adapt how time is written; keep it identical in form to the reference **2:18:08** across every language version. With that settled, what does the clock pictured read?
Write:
**9:53:34**
